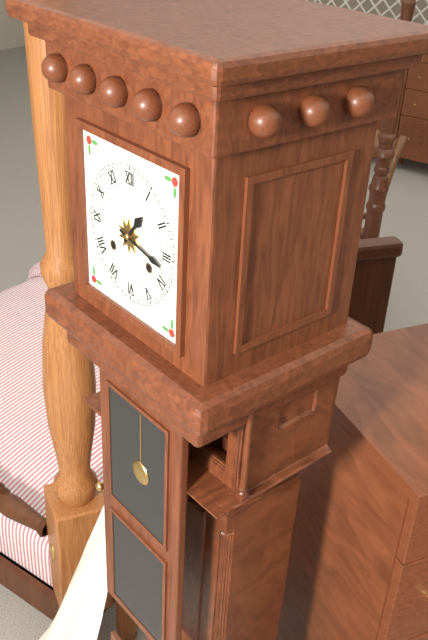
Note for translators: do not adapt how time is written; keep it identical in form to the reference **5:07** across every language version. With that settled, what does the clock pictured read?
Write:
**1:17**
